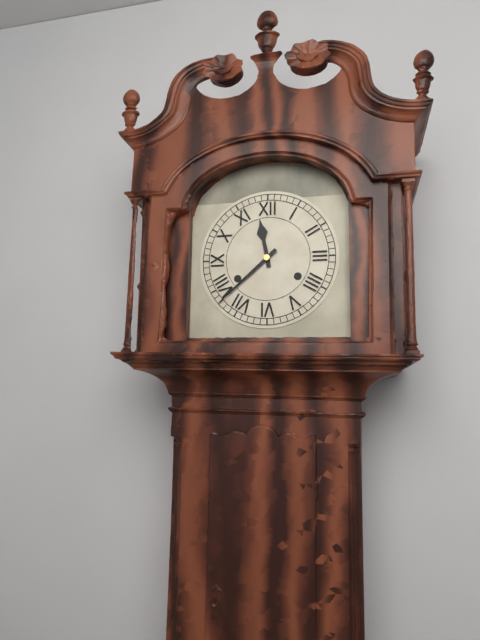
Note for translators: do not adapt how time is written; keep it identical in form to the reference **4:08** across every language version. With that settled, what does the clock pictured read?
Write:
**11:38**
